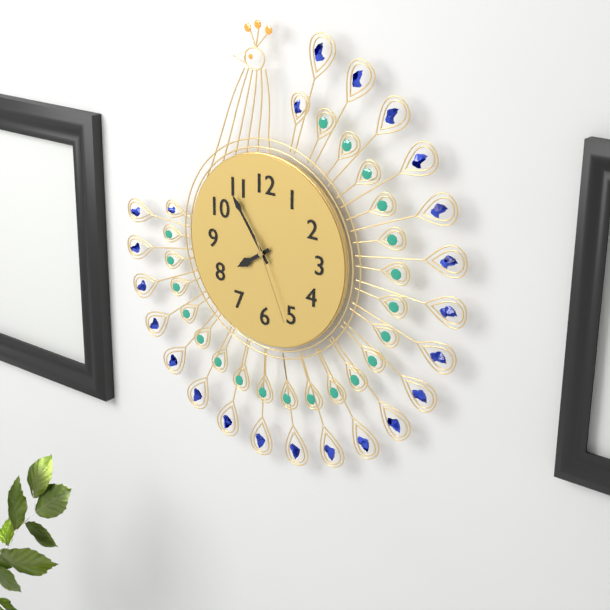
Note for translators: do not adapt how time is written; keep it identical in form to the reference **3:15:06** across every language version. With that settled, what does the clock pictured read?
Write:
**7:54:26**
